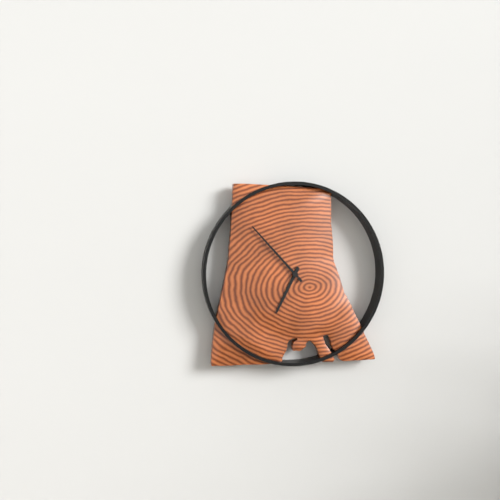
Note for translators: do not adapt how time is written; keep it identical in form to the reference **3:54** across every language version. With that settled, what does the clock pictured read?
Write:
**6:53**
